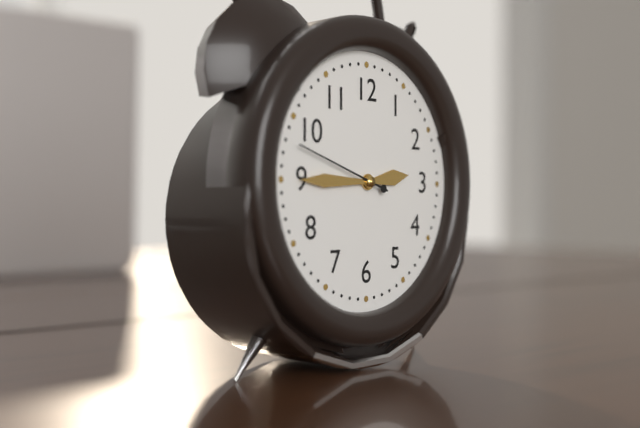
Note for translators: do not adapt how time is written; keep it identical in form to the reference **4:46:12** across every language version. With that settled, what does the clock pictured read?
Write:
**2:45:48**
